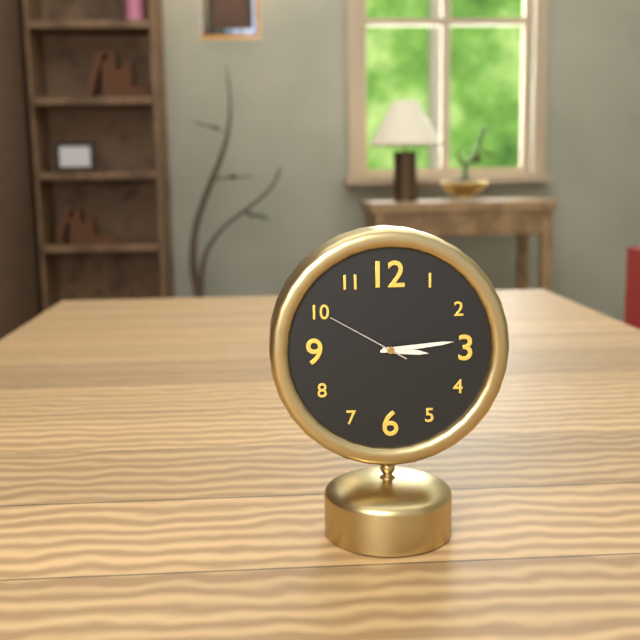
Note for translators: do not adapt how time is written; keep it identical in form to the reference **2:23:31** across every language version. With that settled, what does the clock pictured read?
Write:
**3:14:50**
